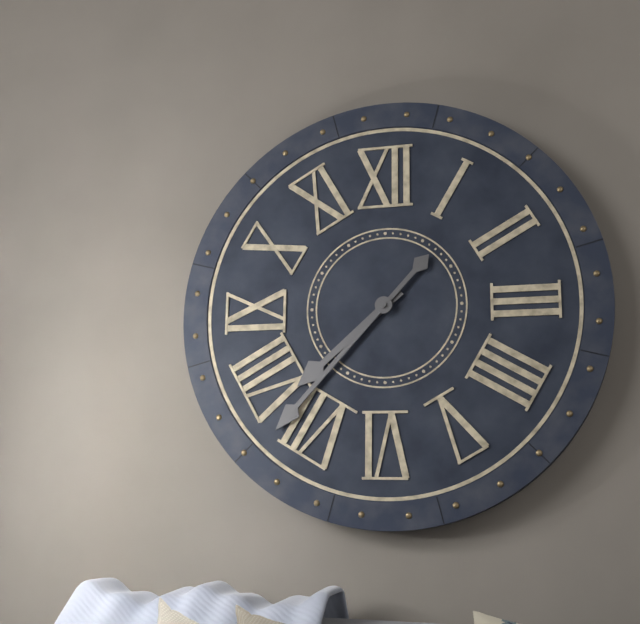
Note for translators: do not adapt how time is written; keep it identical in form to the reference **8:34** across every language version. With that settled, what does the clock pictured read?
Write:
**7:37**
